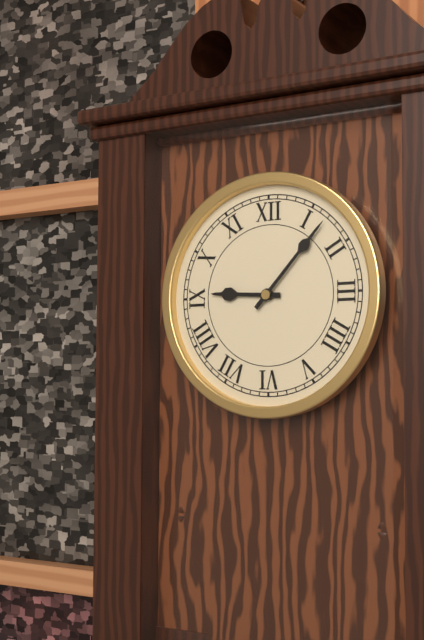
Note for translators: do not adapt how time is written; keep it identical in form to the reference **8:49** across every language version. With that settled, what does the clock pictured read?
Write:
**9:07**
